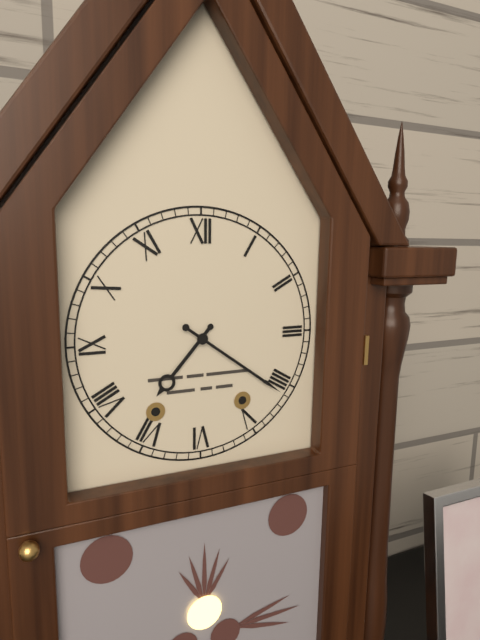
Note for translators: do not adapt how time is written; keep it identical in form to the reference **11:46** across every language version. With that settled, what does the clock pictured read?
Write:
**7:21**
